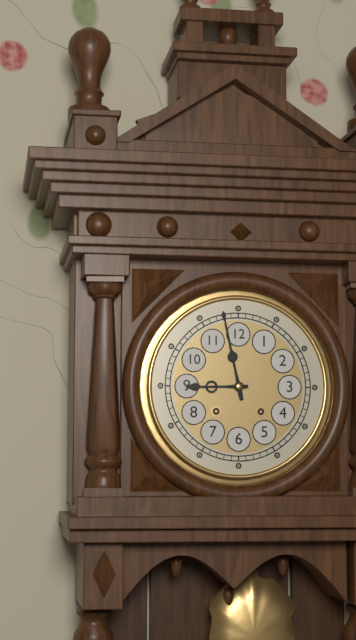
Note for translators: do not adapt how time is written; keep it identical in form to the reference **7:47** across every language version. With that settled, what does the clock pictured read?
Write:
**8:58**
